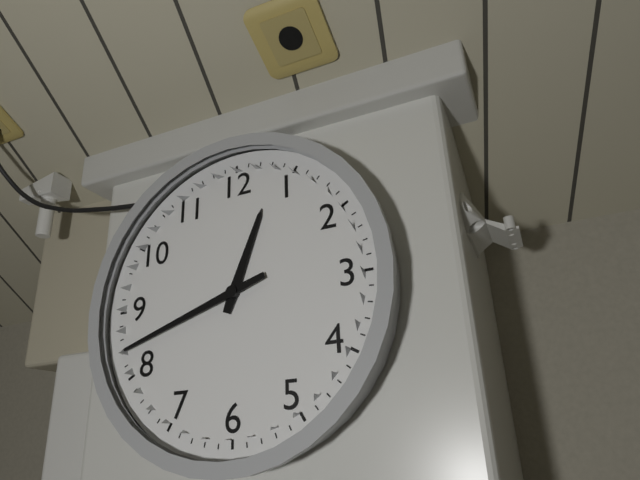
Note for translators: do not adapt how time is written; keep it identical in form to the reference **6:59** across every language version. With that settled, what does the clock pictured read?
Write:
**12:42**
